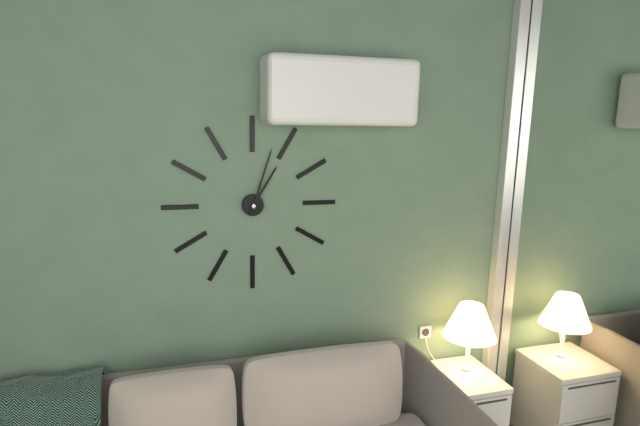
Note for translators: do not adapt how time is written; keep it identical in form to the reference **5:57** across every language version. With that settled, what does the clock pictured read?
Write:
**1:03**
